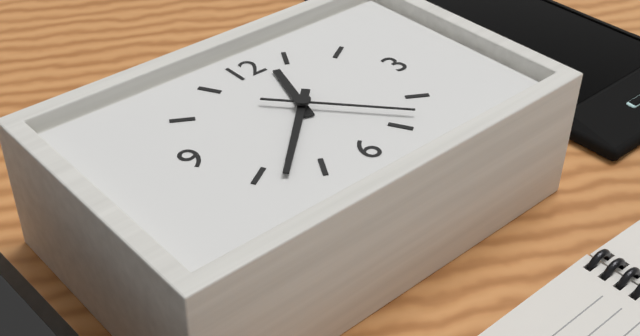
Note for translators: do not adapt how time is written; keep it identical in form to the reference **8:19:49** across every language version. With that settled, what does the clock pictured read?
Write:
**12:38:23**
